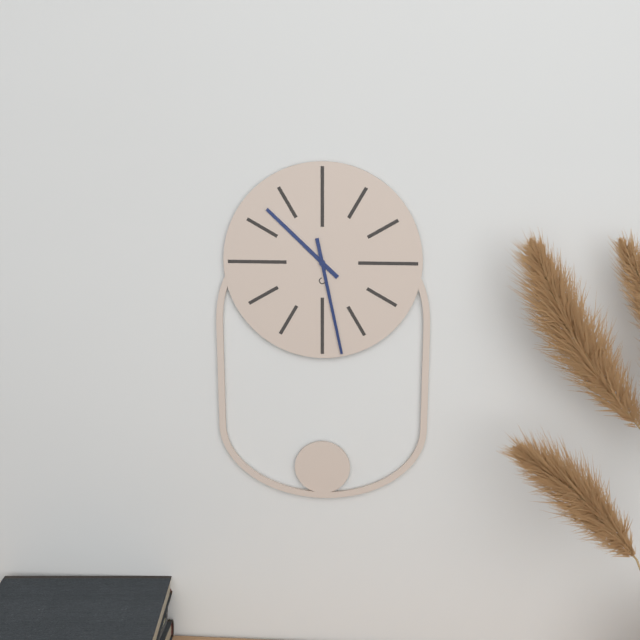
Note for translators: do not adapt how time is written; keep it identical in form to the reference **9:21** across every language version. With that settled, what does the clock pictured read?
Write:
**10:28**
